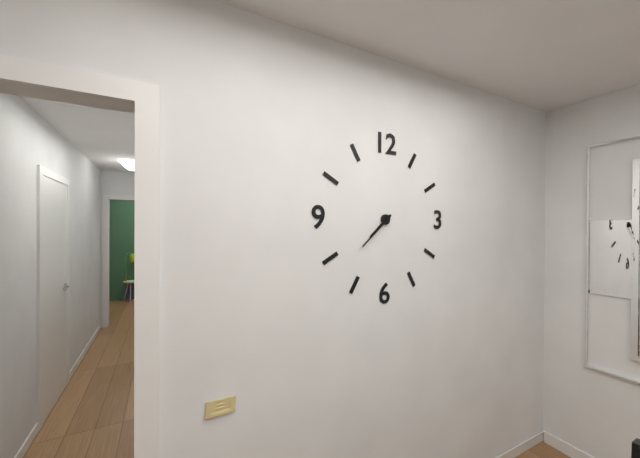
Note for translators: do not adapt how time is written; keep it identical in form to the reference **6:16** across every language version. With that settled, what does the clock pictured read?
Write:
**7:38**
